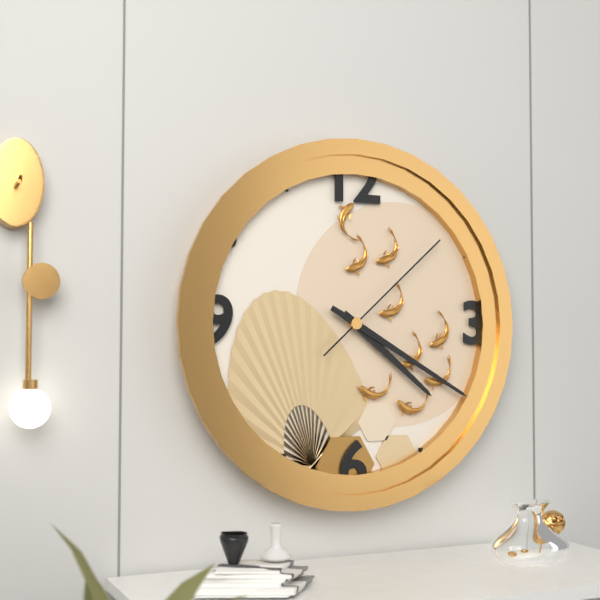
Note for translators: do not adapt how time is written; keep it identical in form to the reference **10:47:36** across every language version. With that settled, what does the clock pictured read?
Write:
**4:20:08**
